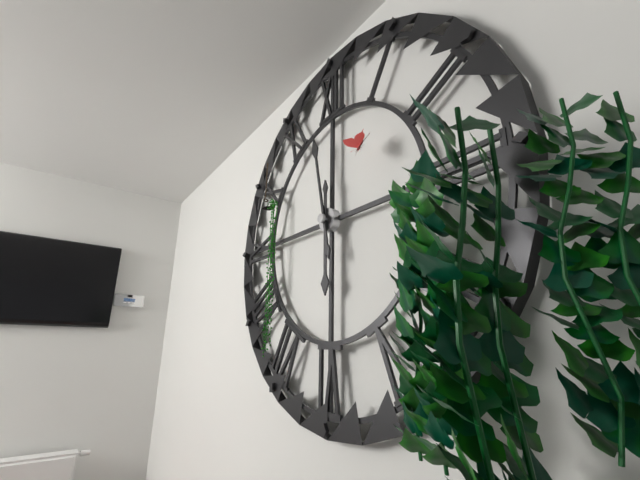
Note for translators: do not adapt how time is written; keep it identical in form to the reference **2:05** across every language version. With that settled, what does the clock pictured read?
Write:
**5:58**
